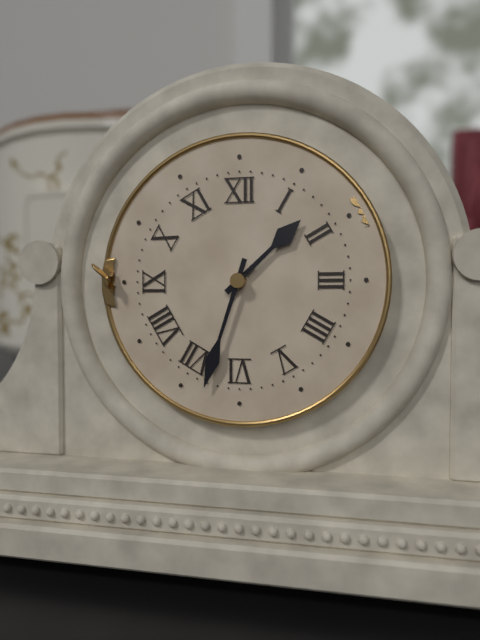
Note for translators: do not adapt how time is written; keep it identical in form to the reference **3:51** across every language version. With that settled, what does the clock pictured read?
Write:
**1:33**
